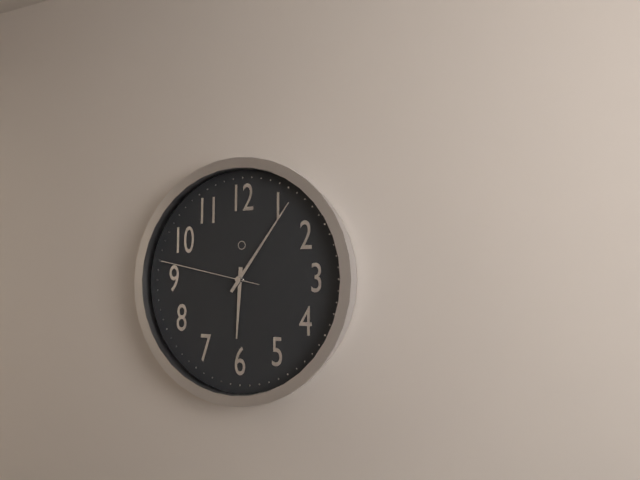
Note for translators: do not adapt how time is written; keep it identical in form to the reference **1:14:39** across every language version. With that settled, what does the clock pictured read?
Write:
**6:06:47**
